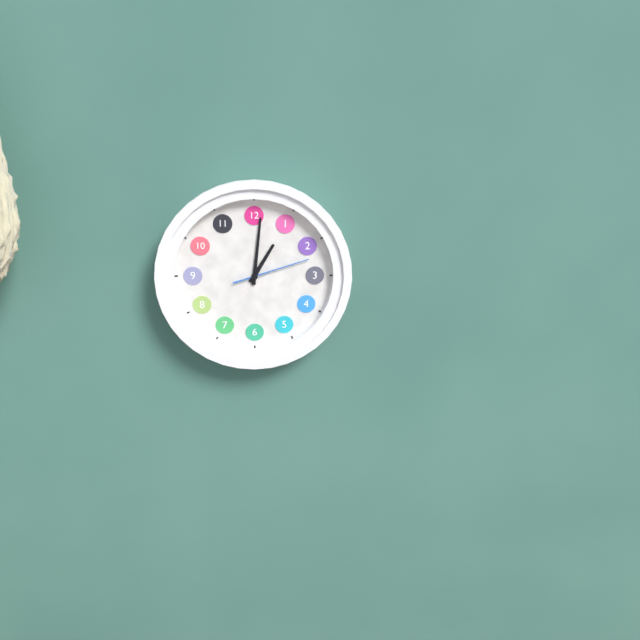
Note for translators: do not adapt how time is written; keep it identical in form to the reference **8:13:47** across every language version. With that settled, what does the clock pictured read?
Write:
**1:01:12**
